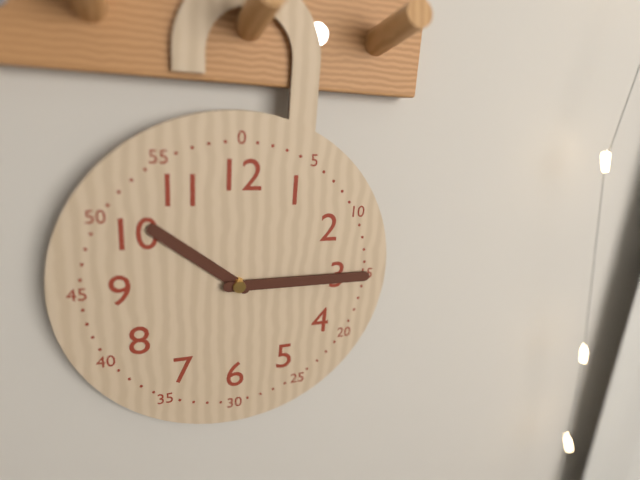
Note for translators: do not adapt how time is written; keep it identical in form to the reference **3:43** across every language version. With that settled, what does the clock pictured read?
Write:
**10:15**
